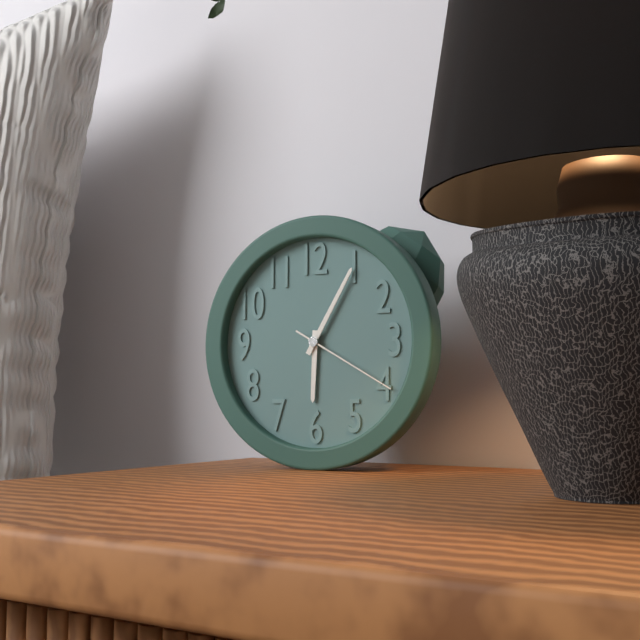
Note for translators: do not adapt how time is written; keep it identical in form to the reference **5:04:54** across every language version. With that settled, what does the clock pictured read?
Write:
**6:05:20**
